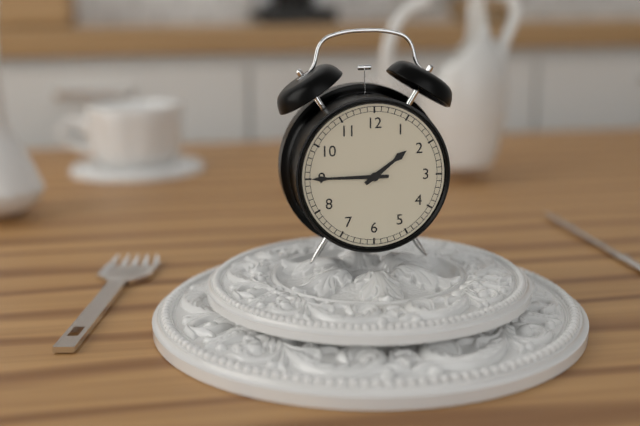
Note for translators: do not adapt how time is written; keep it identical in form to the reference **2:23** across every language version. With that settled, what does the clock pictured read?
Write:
**1:45**
